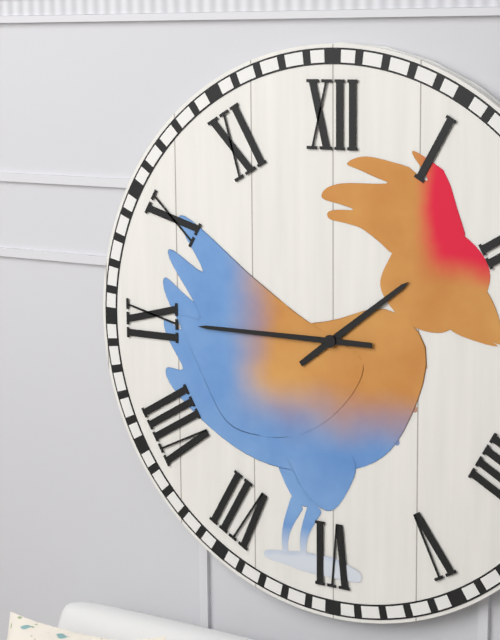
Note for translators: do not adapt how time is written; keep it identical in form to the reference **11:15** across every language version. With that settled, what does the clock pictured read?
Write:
**1:45**
